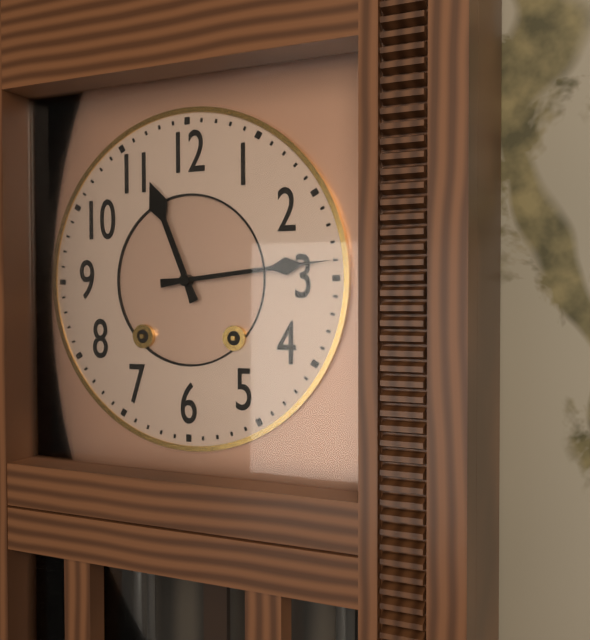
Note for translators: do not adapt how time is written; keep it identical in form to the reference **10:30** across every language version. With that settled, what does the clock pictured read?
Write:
**11:14**
